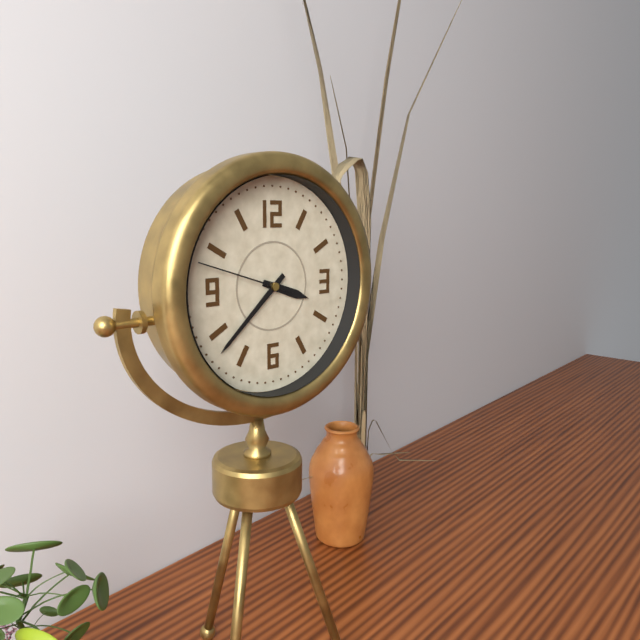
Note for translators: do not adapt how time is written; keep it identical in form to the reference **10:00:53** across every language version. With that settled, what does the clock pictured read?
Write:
**3:38:48**
